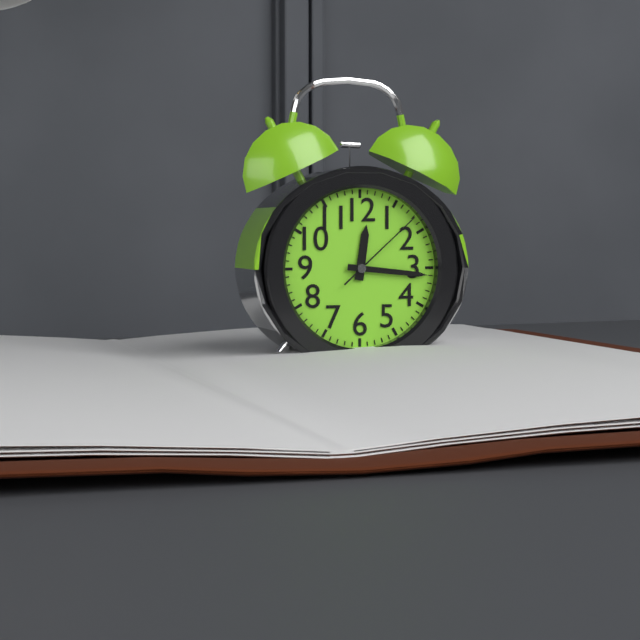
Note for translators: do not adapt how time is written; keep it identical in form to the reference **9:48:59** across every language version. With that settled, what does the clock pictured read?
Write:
**12:16:08**
